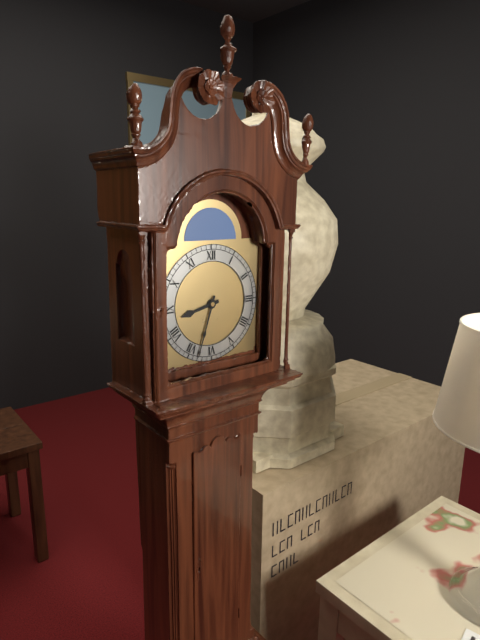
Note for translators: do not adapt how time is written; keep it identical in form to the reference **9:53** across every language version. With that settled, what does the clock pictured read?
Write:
**8:33**
